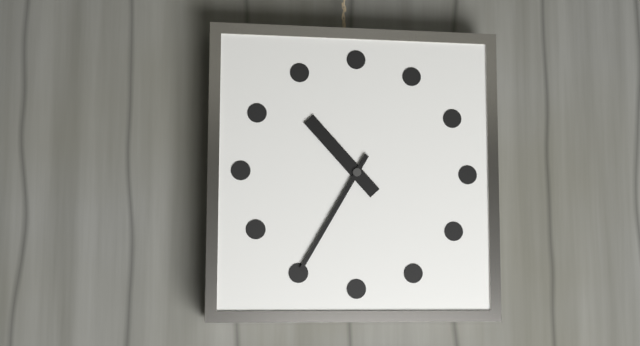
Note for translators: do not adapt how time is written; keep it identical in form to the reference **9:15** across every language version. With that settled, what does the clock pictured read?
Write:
**10:35**
